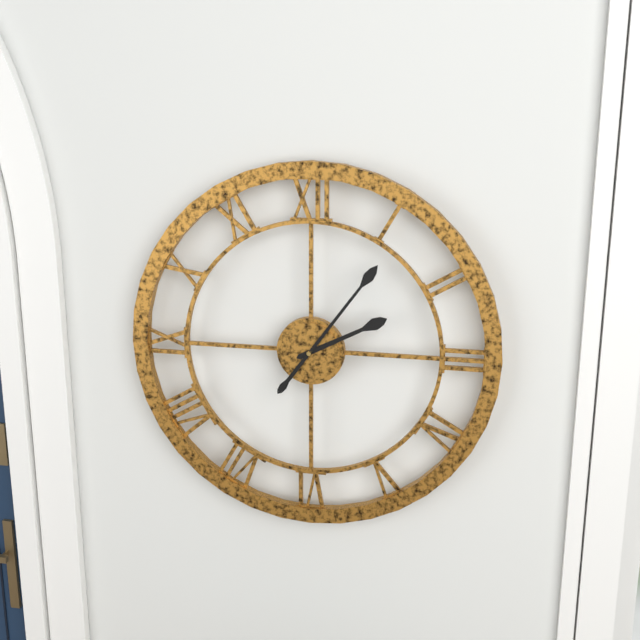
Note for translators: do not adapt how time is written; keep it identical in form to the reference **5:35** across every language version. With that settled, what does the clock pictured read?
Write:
**2:06**
